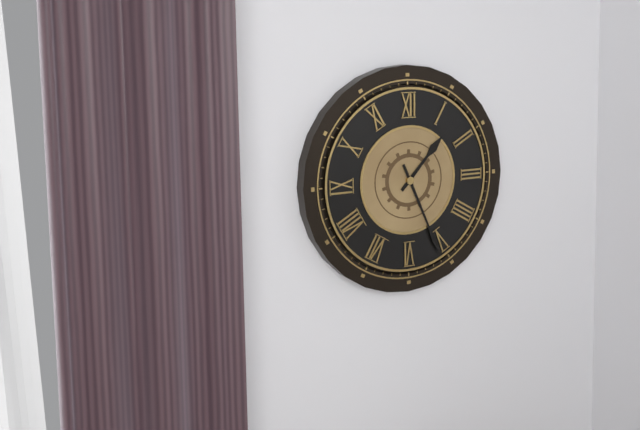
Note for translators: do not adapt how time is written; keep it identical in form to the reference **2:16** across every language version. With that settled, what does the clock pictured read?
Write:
**1:26**
